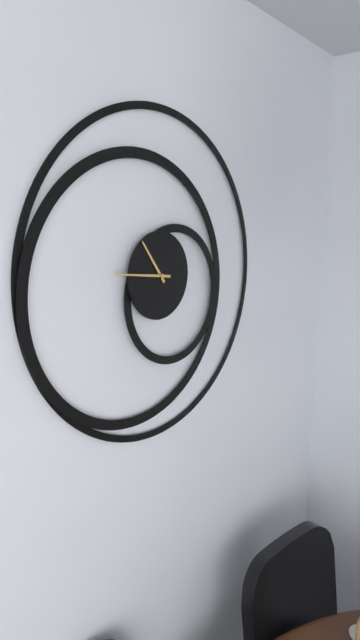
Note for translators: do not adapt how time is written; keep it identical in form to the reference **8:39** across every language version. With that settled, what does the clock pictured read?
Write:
**10:46**
